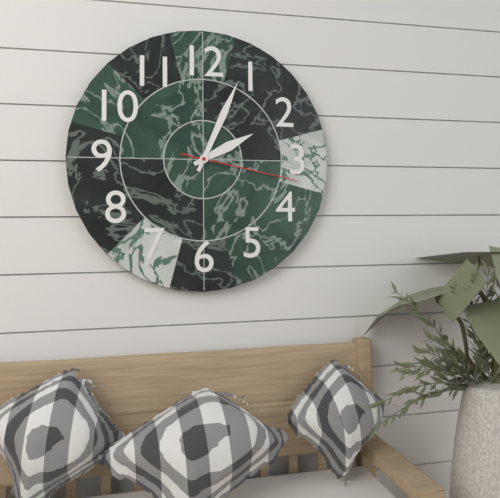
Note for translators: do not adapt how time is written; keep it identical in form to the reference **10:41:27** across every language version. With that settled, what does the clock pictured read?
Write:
**2:04:17**
